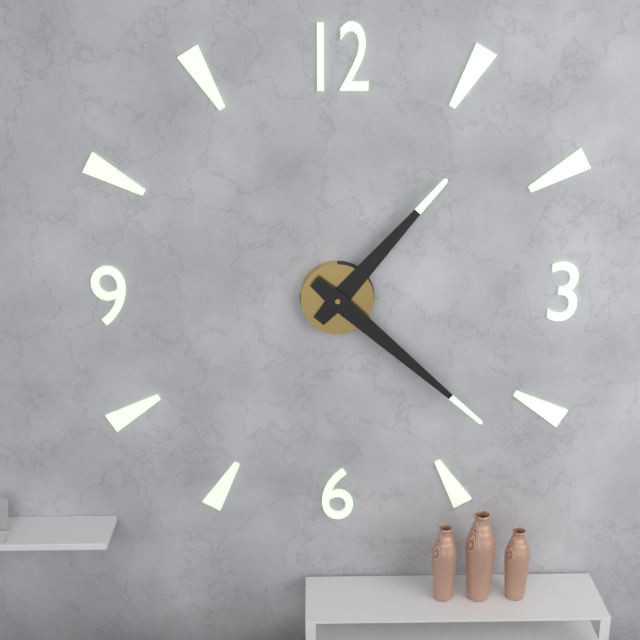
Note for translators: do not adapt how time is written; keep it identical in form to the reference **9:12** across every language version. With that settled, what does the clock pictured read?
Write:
**1:22**
